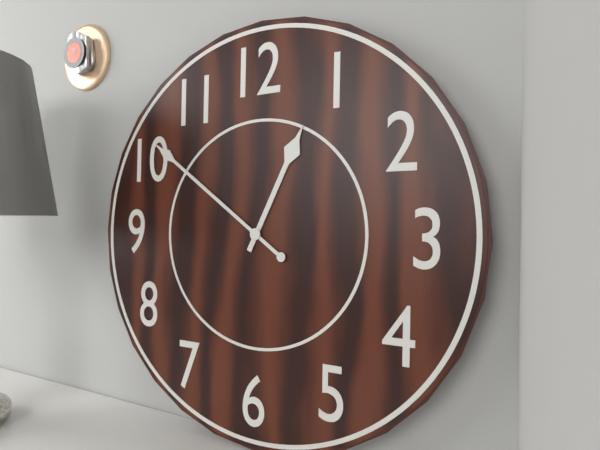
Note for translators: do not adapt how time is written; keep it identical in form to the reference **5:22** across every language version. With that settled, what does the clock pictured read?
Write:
**12:51**
